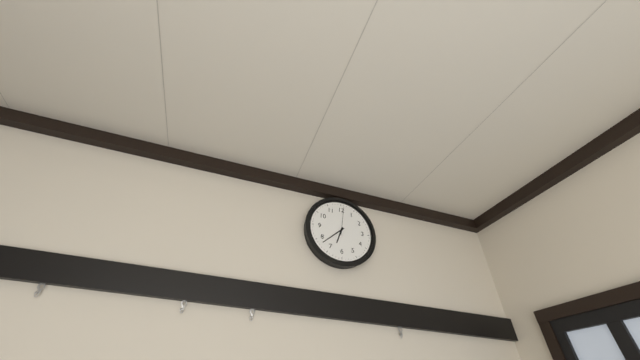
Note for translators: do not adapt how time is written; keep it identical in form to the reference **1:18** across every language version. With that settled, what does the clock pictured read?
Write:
**6:38**
